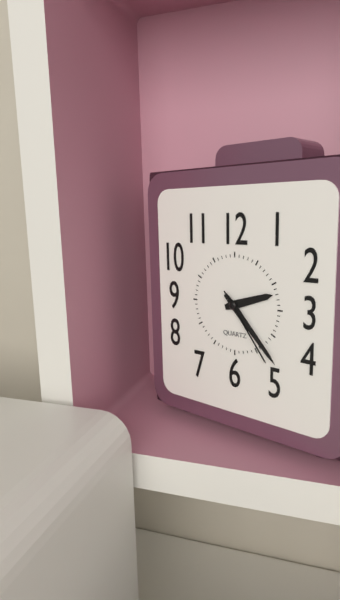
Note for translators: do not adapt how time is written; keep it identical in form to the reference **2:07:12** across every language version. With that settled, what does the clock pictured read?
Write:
**2:23:24**
